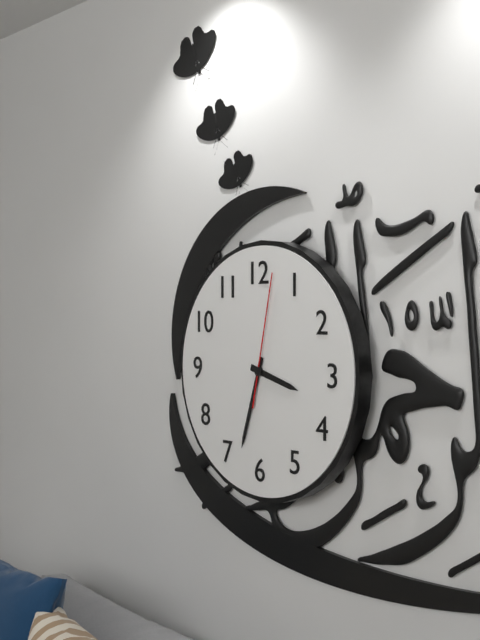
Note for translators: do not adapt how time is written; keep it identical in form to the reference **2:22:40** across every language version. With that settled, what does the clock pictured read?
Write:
**3:33:02**
